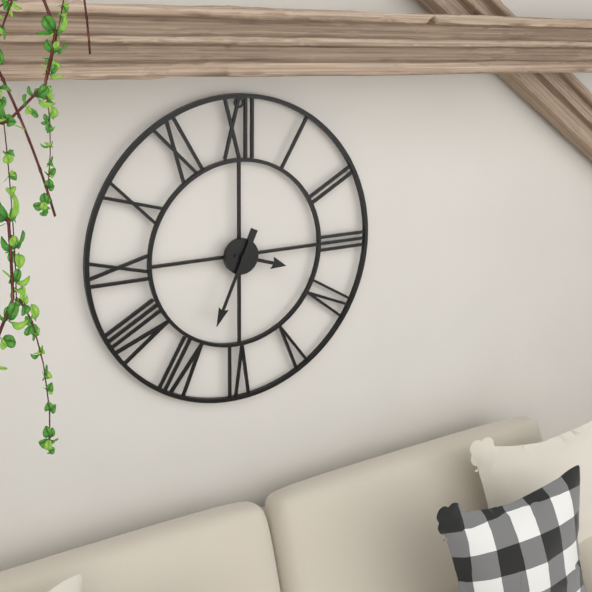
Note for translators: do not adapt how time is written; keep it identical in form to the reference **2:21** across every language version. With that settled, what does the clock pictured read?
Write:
**3:34**
